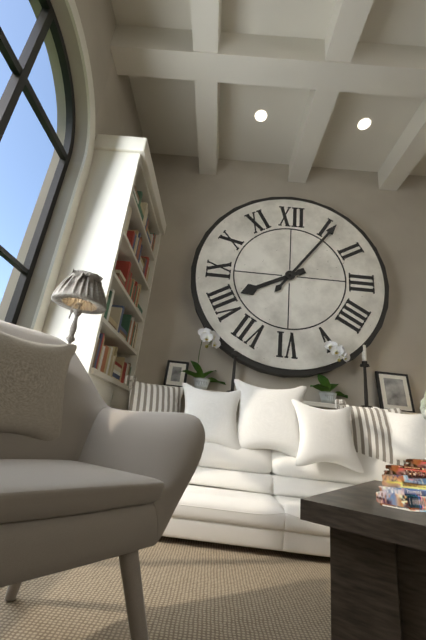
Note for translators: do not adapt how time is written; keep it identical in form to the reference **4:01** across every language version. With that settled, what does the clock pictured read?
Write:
**8:06**
